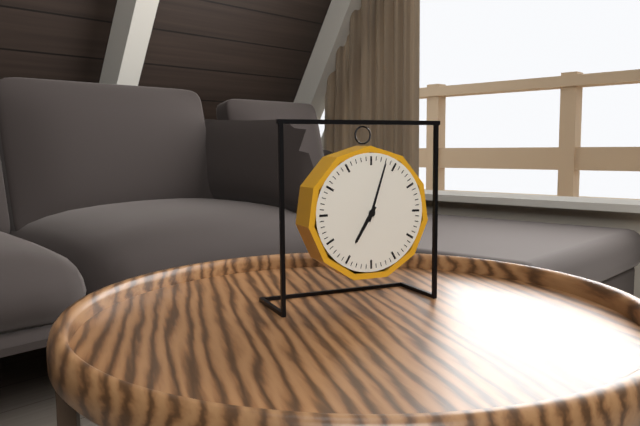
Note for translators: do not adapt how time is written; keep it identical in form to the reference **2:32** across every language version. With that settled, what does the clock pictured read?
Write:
**7:03**
